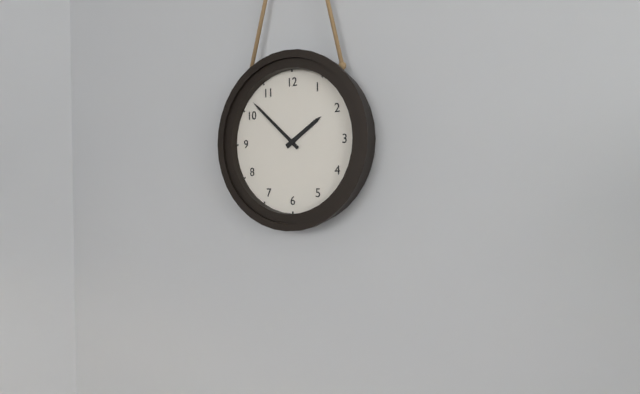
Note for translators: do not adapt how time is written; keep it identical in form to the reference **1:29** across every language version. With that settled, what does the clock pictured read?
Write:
**1:52**
